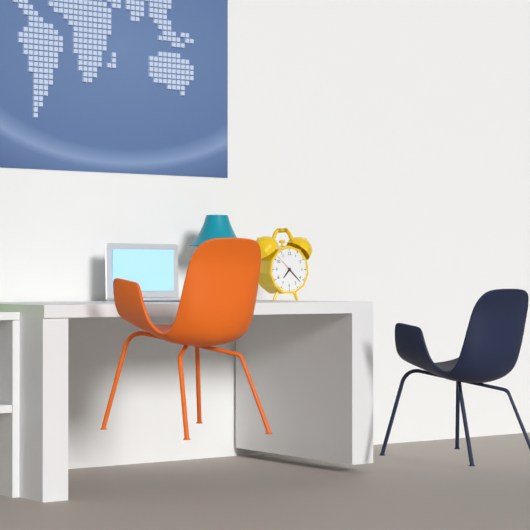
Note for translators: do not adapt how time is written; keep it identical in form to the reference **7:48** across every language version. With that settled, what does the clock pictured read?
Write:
**7:22**
